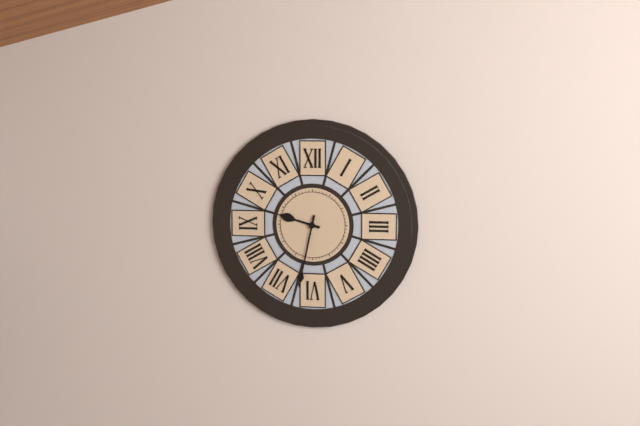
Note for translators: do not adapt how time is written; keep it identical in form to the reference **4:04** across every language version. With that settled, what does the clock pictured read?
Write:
**9:32**
